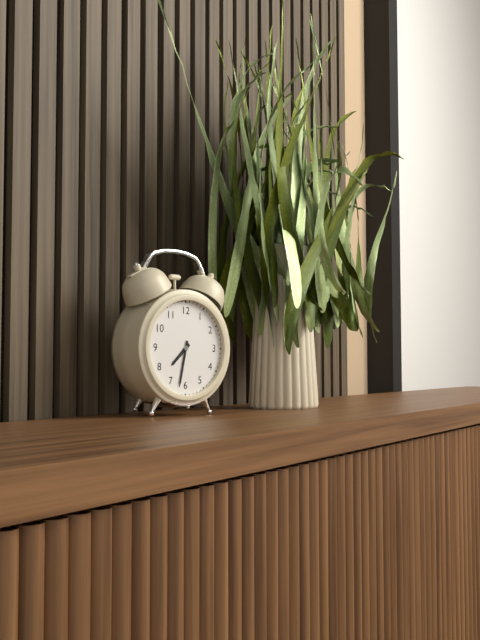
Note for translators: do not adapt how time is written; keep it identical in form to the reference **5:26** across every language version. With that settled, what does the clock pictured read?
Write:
**7:32**
